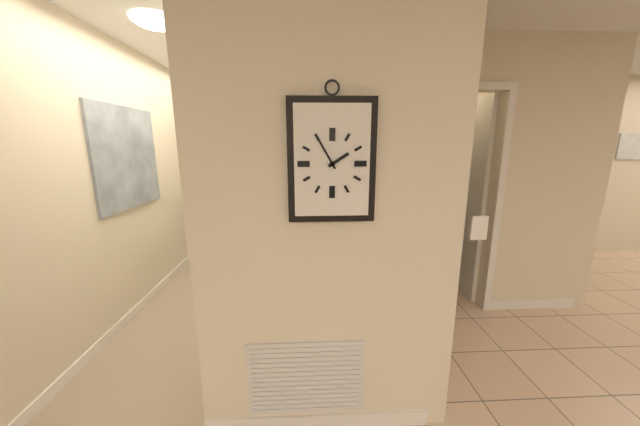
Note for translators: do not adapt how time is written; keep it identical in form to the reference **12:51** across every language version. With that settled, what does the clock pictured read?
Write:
**1:55**
